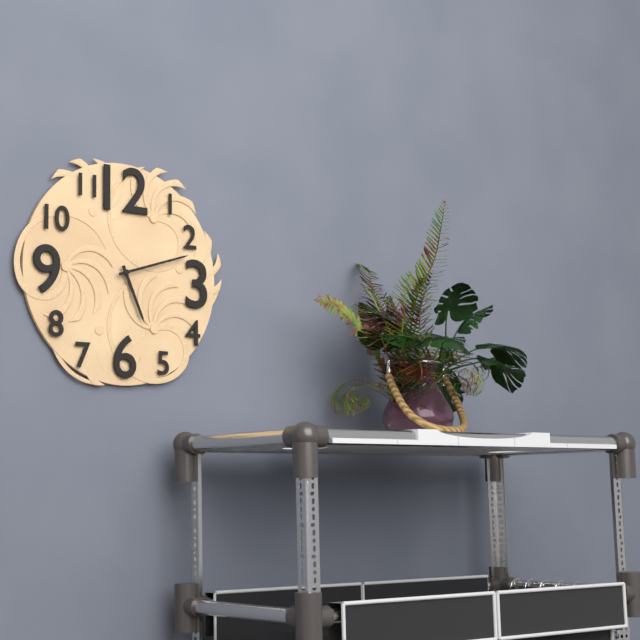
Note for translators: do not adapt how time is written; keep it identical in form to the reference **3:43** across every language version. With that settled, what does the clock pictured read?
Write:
**5:12**
